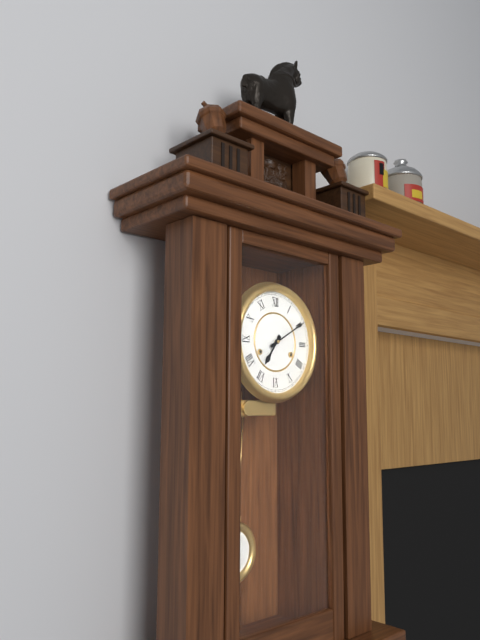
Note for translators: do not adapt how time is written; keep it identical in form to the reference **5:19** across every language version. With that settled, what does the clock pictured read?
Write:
**7:10**
